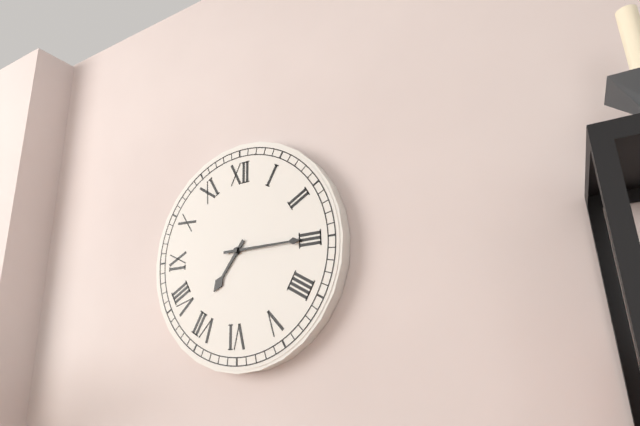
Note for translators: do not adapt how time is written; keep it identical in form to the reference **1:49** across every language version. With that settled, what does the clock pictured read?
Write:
**7:15**
